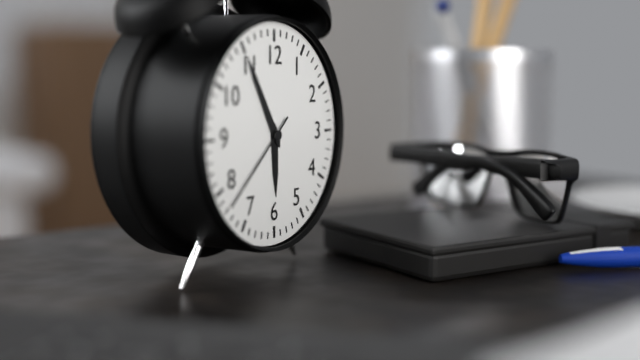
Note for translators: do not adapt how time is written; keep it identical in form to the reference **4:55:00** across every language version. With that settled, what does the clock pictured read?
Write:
**5:55:38**
